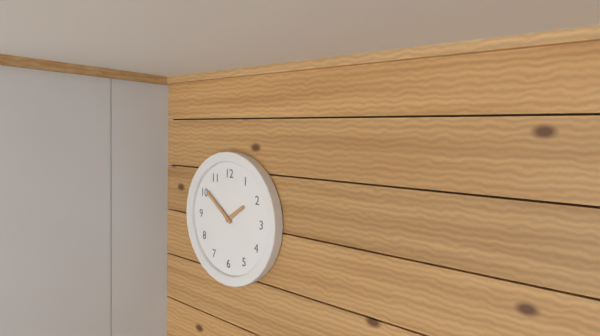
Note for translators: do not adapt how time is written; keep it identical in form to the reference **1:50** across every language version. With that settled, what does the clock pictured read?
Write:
**1:51**
